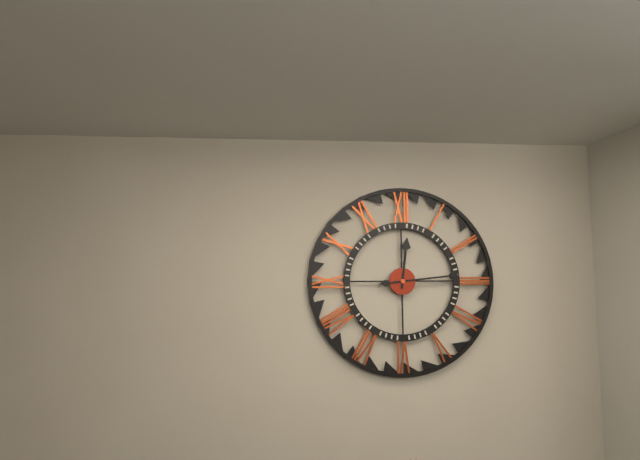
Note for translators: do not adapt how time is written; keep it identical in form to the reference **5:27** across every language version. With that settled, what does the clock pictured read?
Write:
**12:14**
